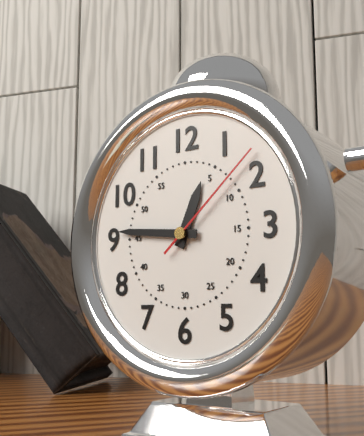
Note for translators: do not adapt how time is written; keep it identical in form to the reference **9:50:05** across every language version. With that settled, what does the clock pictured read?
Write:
**12:46:08**
